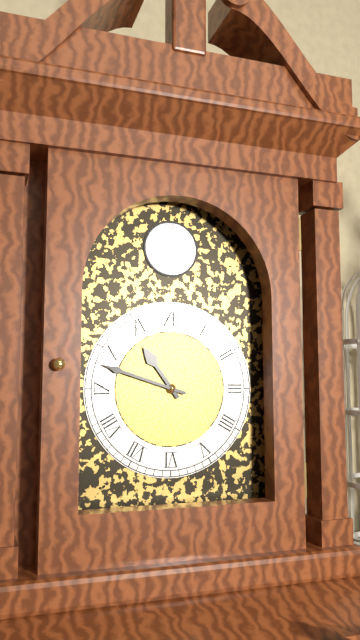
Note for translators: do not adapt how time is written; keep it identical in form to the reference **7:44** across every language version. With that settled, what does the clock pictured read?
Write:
**10:48**
